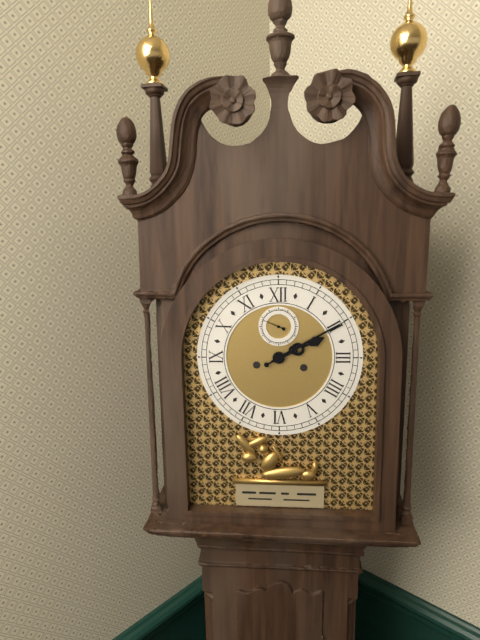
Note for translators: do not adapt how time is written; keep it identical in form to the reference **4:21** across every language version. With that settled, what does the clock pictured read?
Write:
**2:10**
